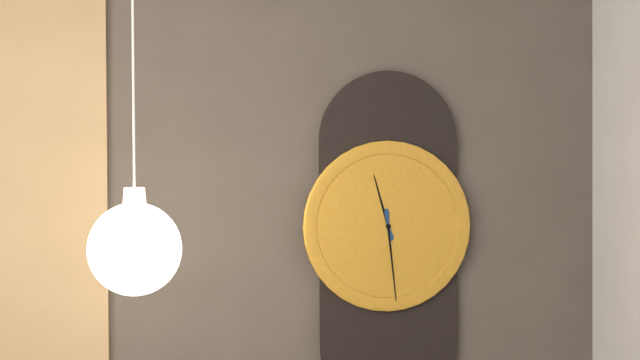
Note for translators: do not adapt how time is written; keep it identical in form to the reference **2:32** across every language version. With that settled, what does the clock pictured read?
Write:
**11:29**
